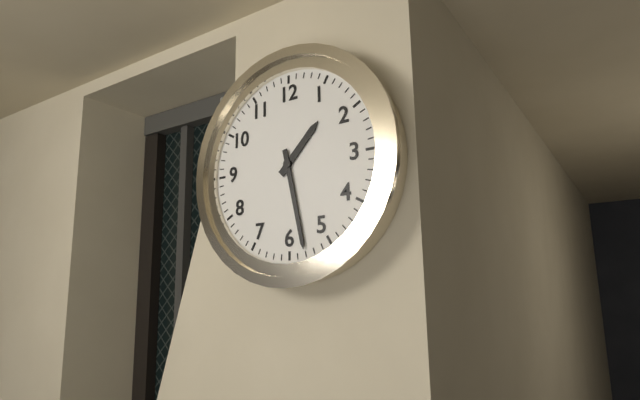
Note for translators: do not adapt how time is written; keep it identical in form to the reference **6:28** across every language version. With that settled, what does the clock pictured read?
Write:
**1:28**
